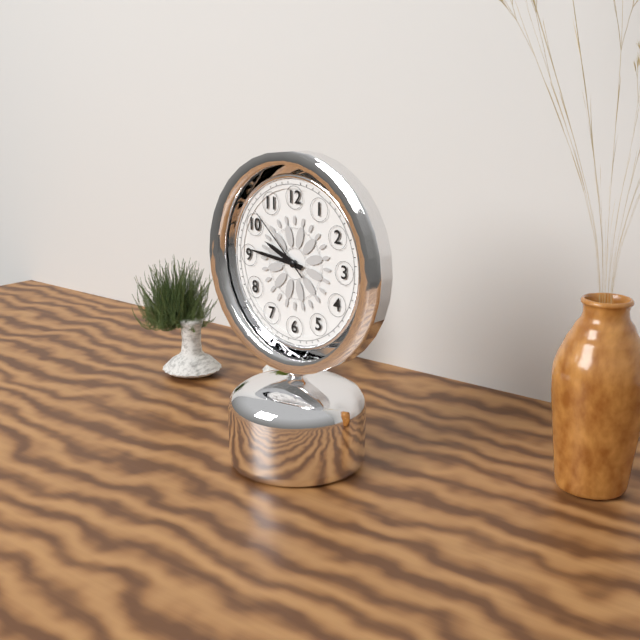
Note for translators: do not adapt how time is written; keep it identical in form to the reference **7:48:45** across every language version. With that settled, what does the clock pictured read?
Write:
**9:46:52**
